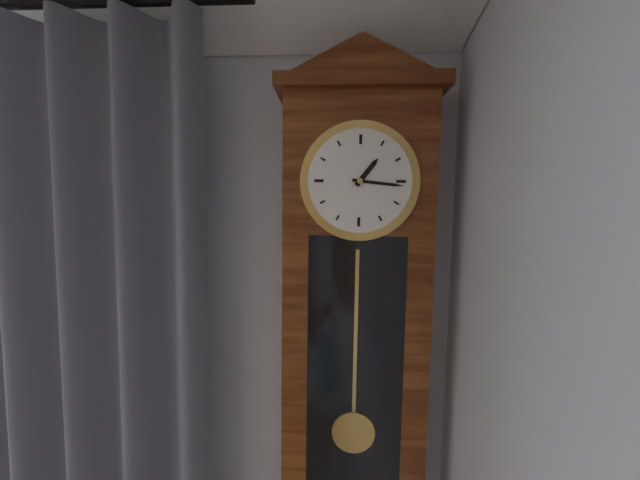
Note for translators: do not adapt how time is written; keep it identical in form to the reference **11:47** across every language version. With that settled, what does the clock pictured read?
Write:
**1:16**
